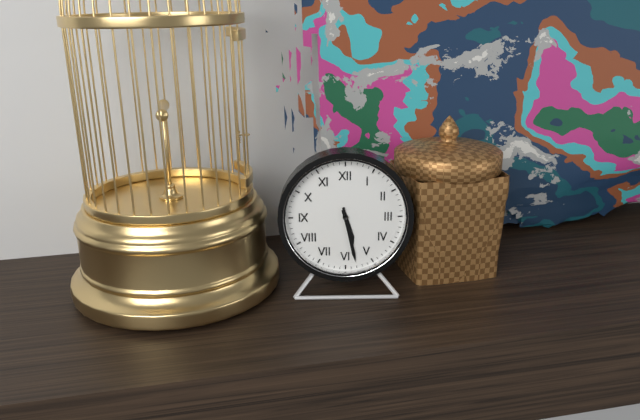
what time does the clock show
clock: 5:28
